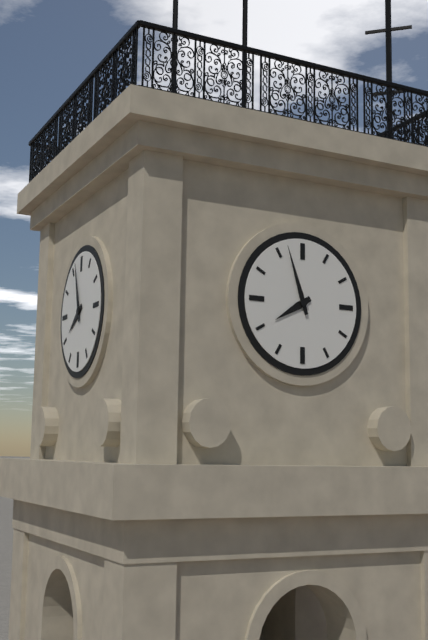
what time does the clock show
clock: 7:57
